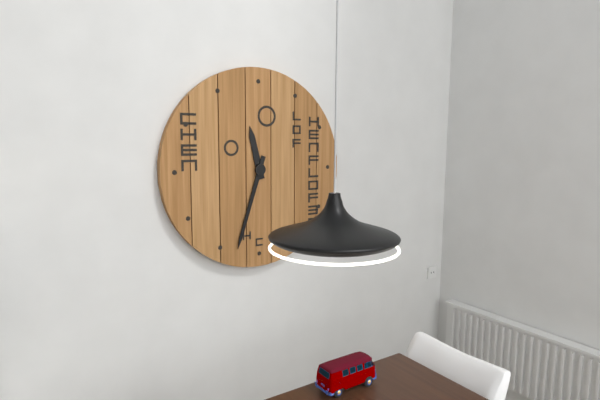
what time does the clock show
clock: 11:33
